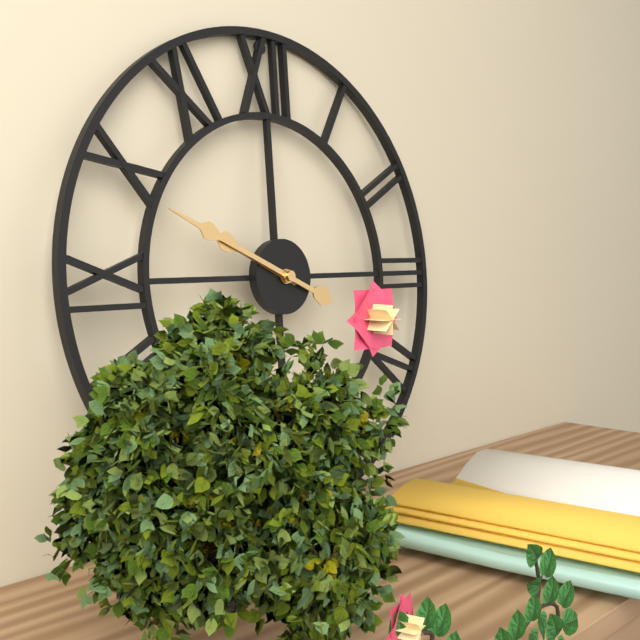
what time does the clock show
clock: 9:49
